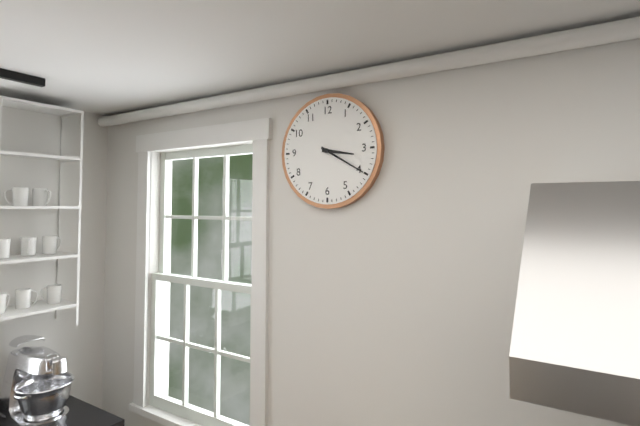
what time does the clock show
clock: 3:20
